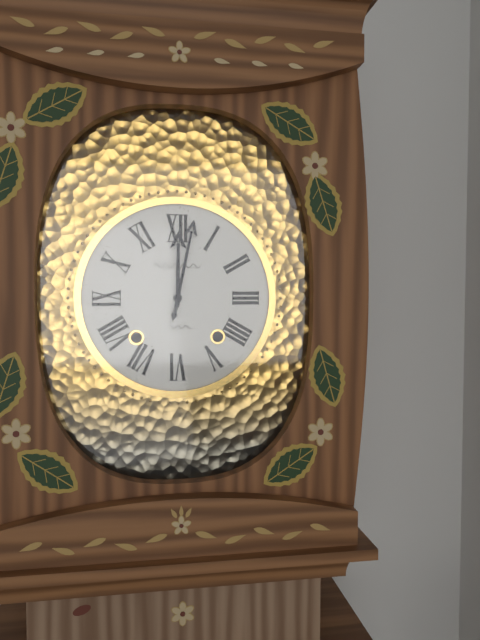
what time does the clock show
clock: 12:02
